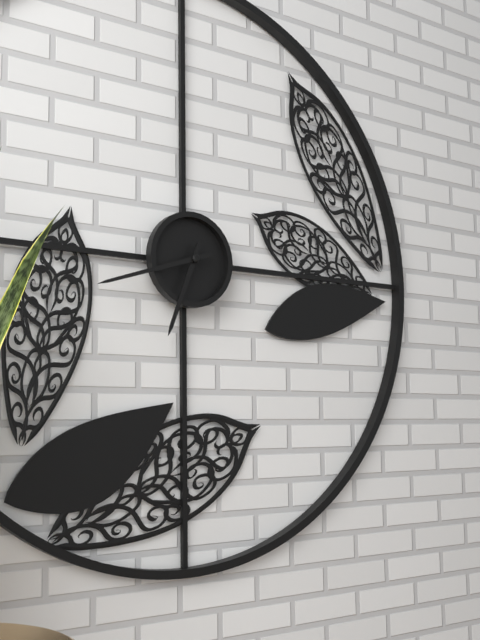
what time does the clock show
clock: 6:42
